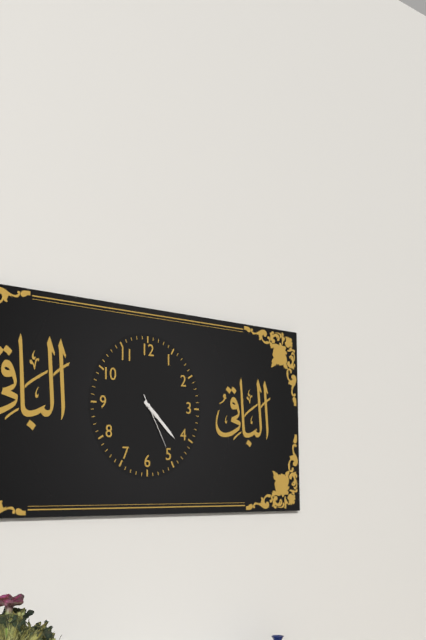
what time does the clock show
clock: 4:22:25
